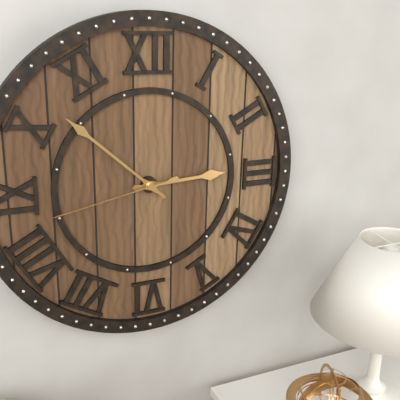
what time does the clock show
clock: 2:52:43
